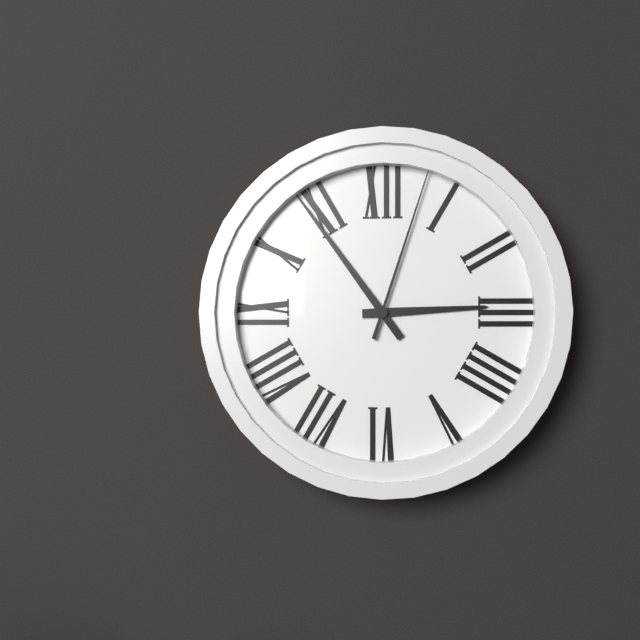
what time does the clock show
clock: 2:54:03
